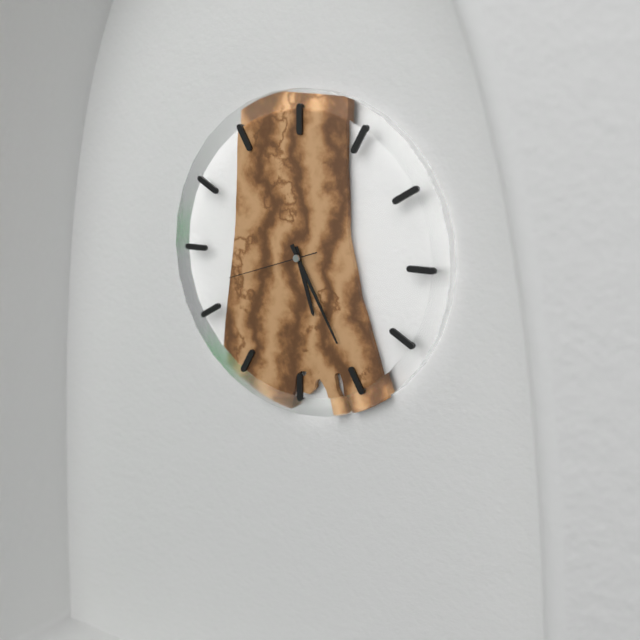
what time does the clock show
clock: 5:25:42
